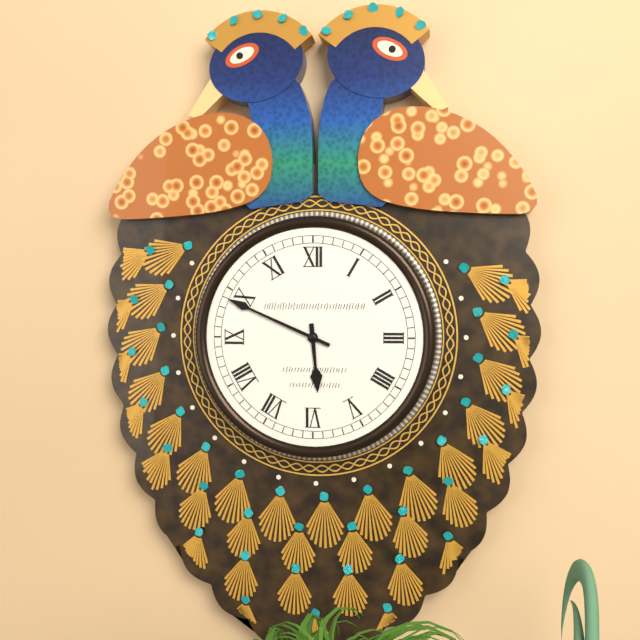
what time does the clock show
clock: 5:49
